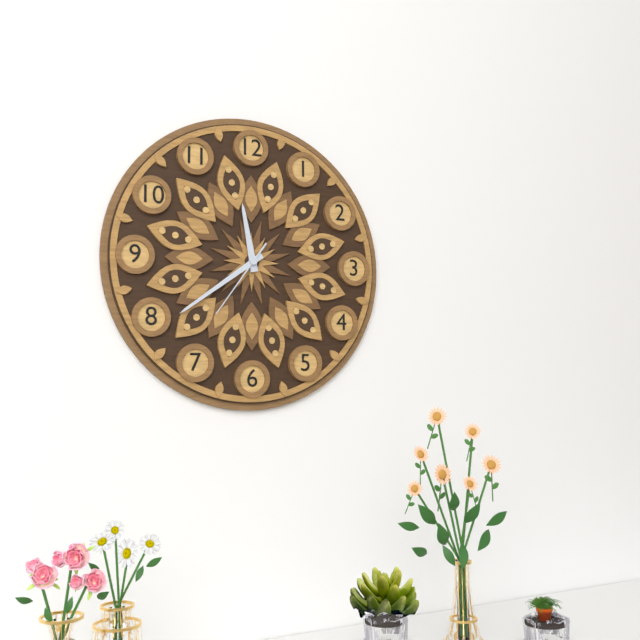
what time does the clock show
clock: 11:39:36
